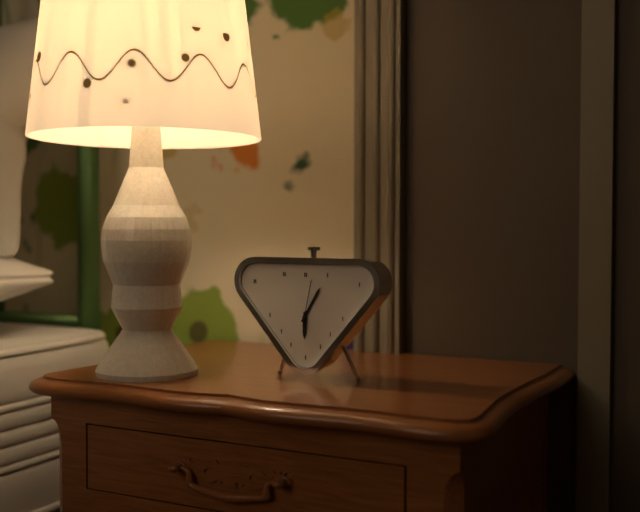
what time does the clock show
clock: 6:05
